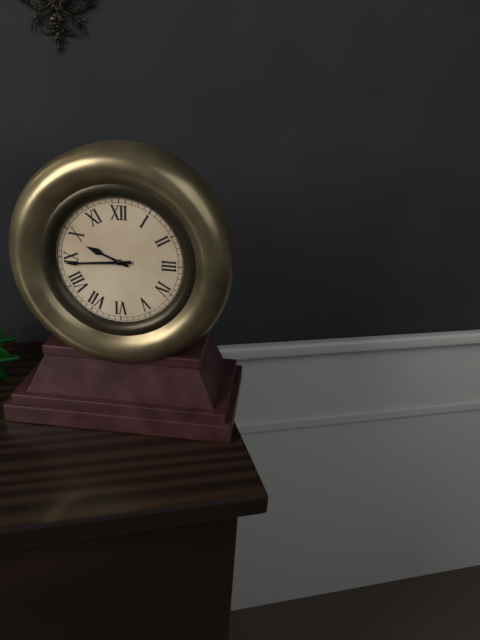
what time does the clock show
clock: 9:44
